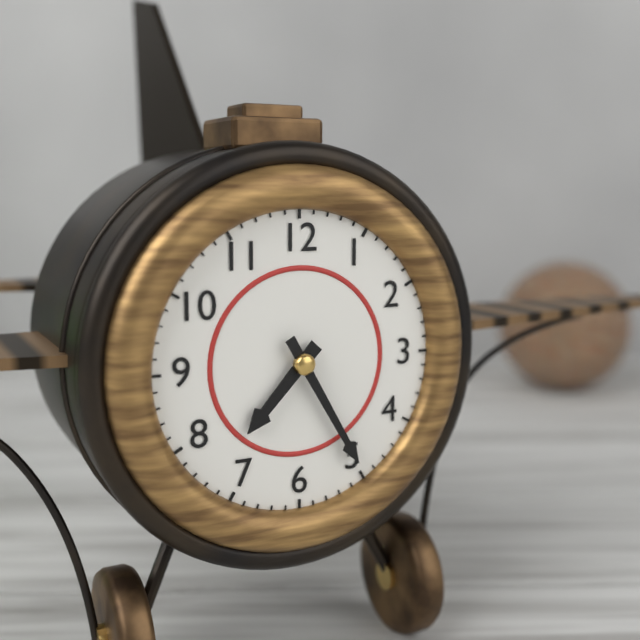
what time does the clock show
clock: 7:25
